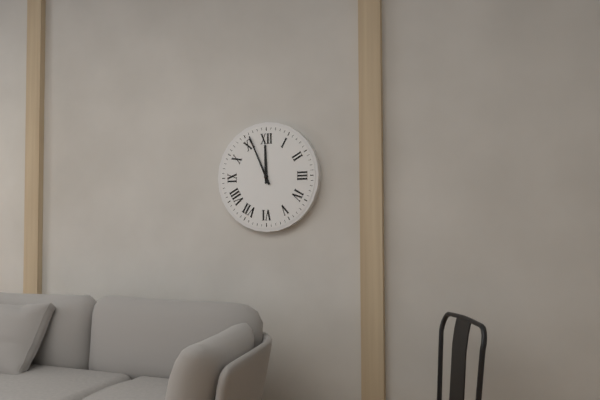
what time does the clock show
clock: 11:56
